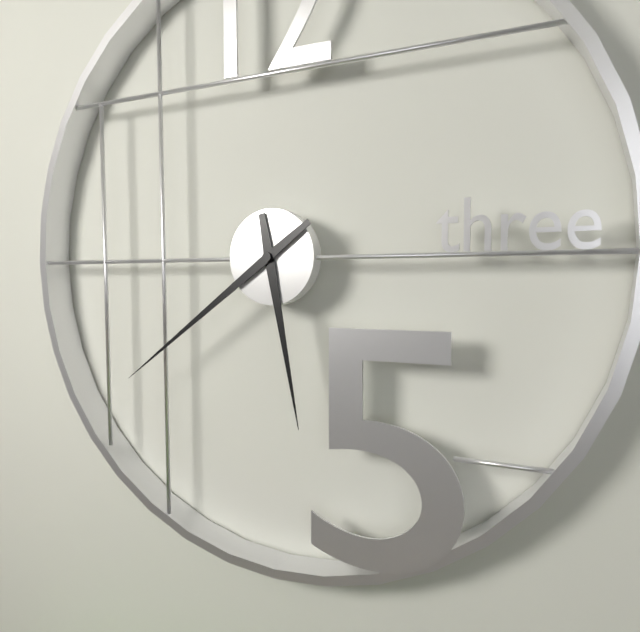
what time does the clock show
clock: 5:39
